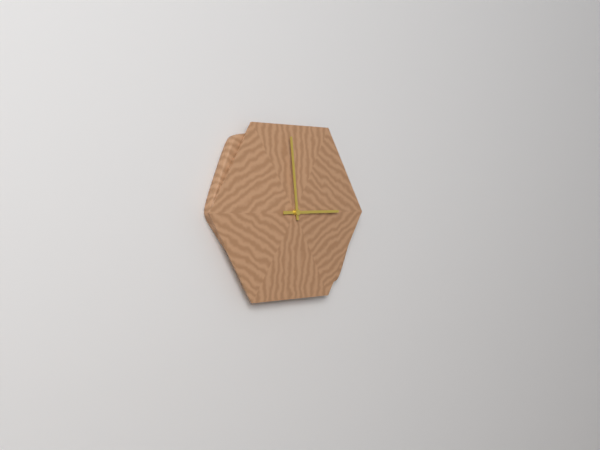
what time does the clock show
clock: 2:59
